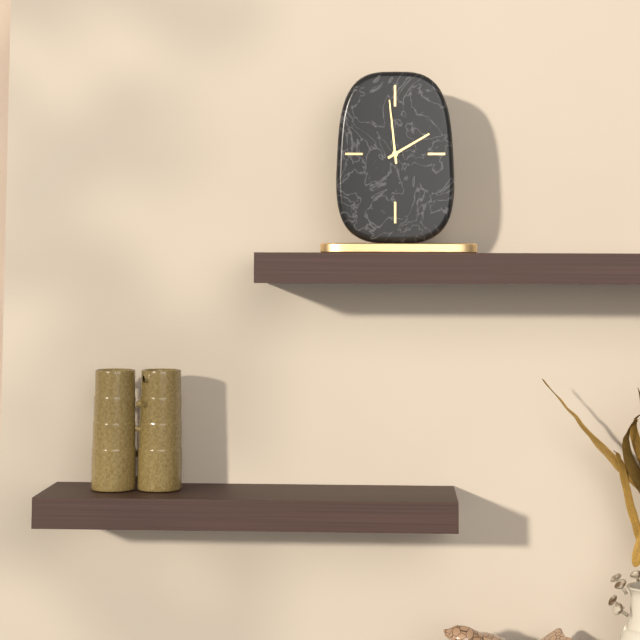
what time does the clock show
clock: 1:59
